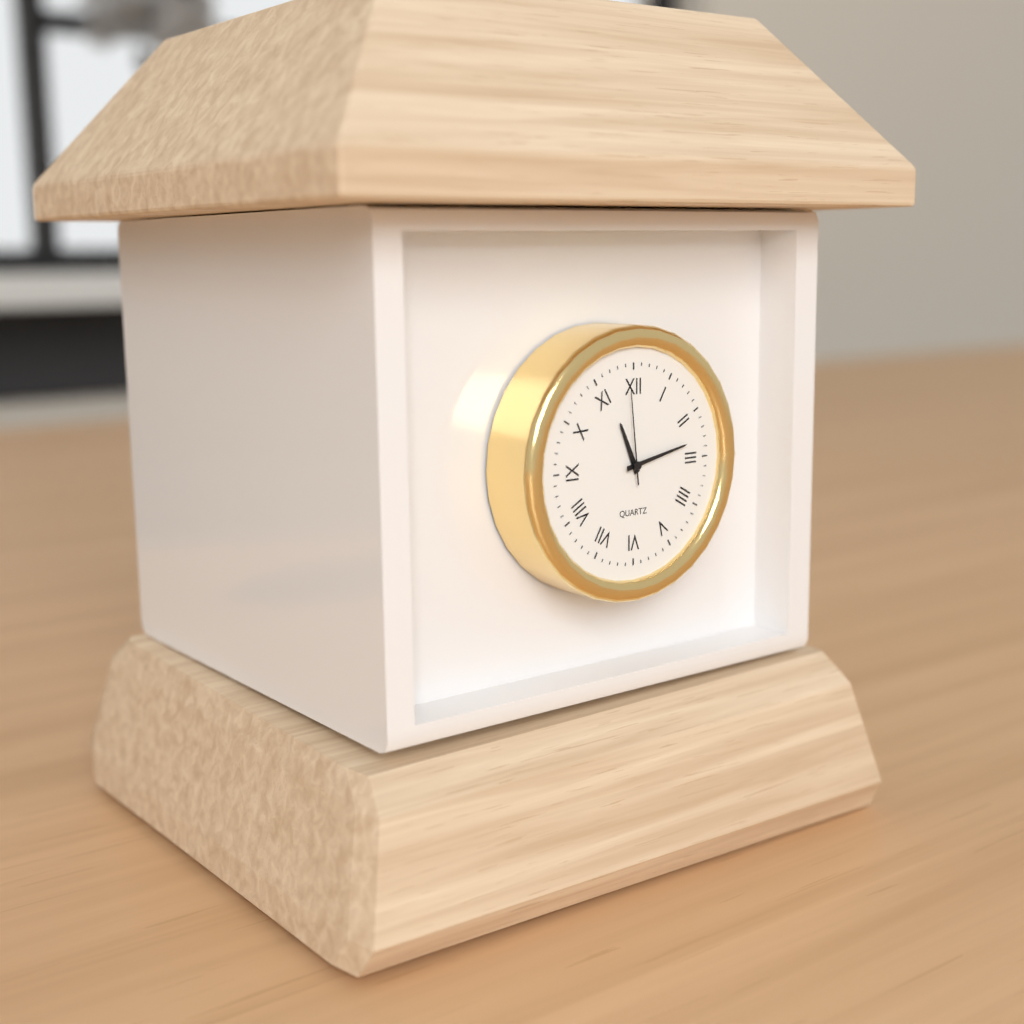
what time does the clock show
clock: 11:13:59
